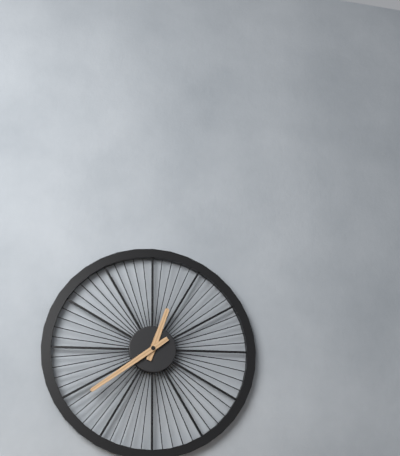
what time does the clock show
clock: 12:39
